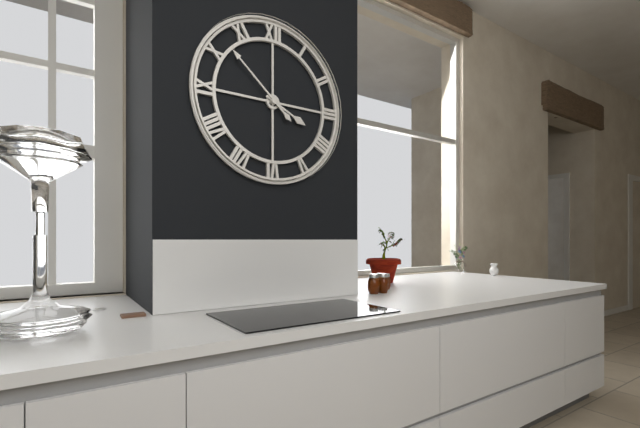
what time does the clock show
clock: 3:52
